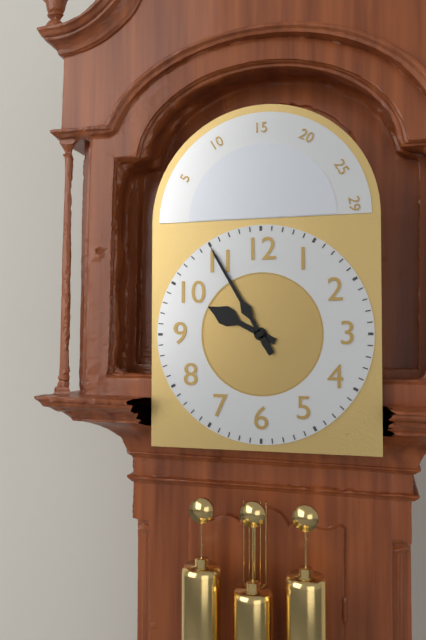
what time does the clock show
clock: 9:55
